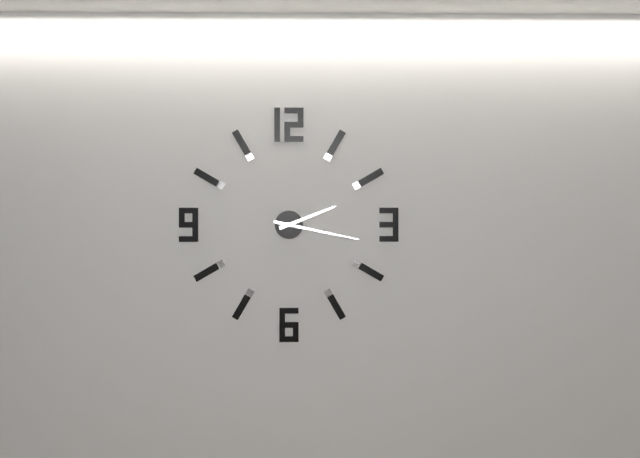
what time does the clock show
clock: 2:17
